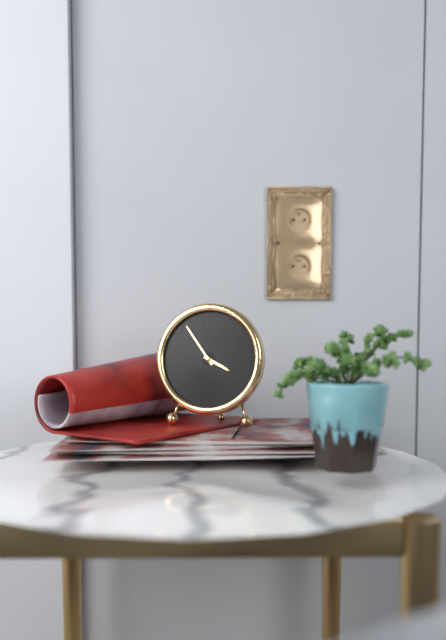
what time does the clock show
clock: 3:54
